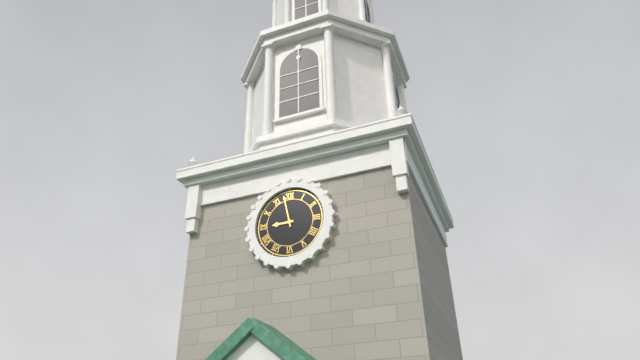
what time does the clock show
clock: 8:58
